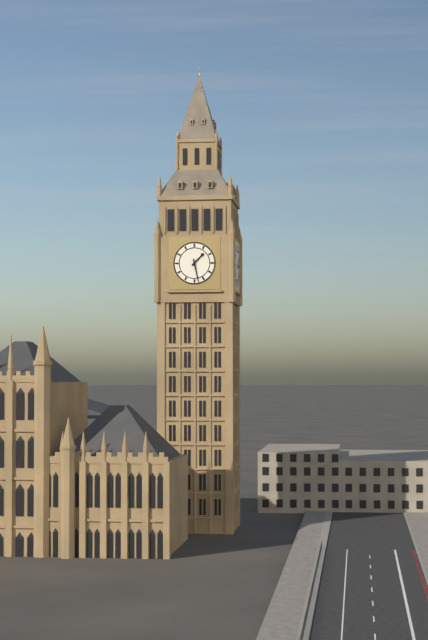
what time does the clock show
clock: 1:28
